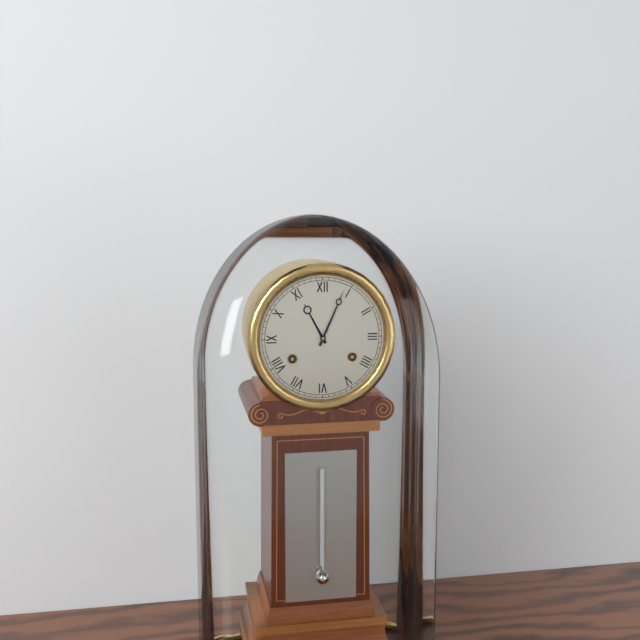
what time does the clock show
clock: 11:04
